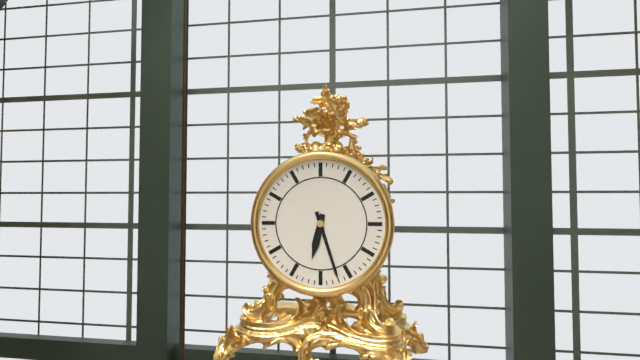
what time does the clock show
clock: 6:27
